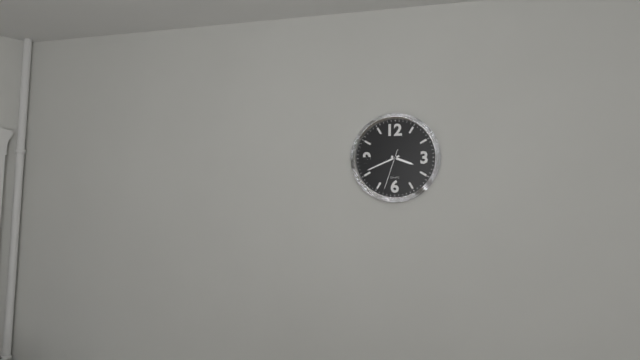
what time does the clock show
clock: 3:41
